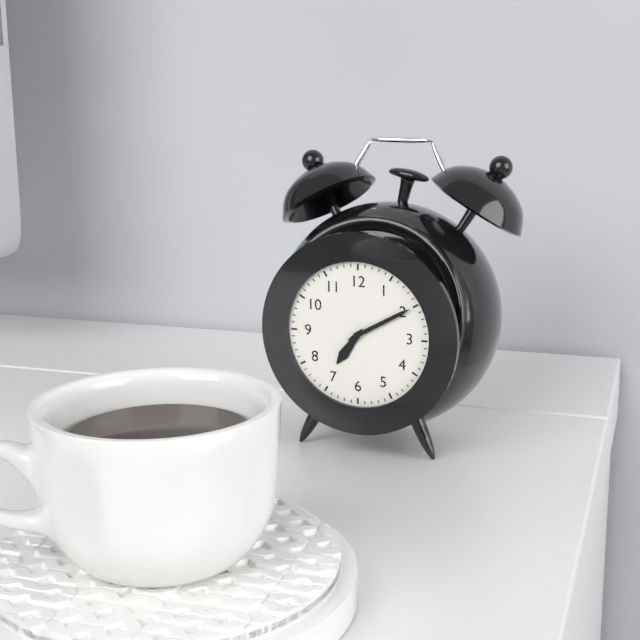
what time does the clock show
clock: 7:10
